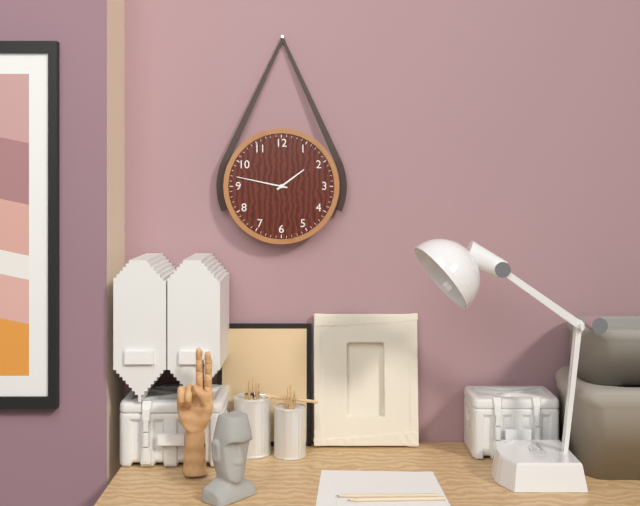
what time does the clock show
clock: 1:47
